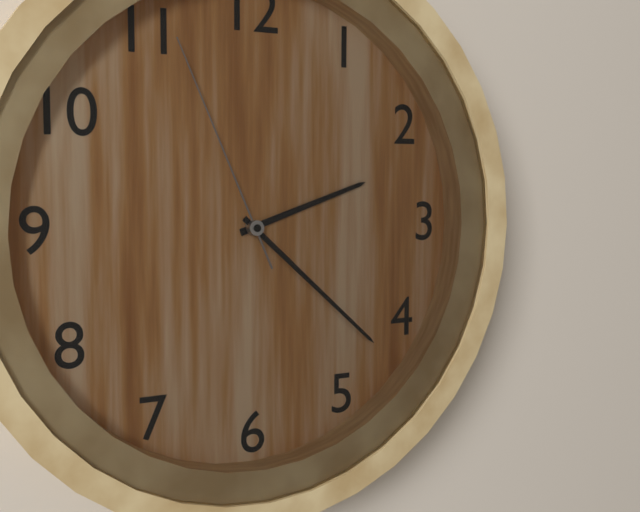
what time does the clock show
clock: 2:22:56
